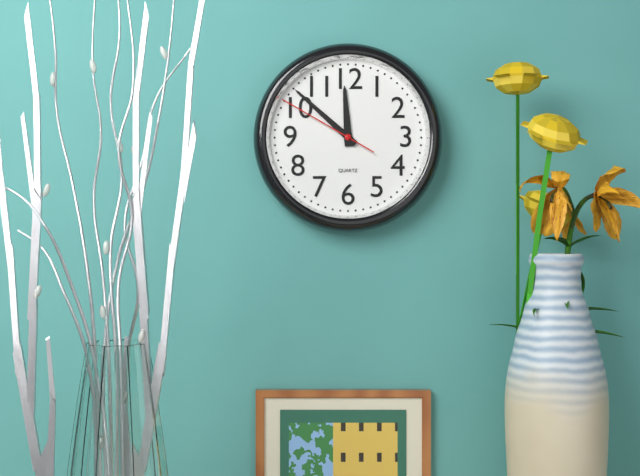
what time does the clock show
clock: 11:52:50
